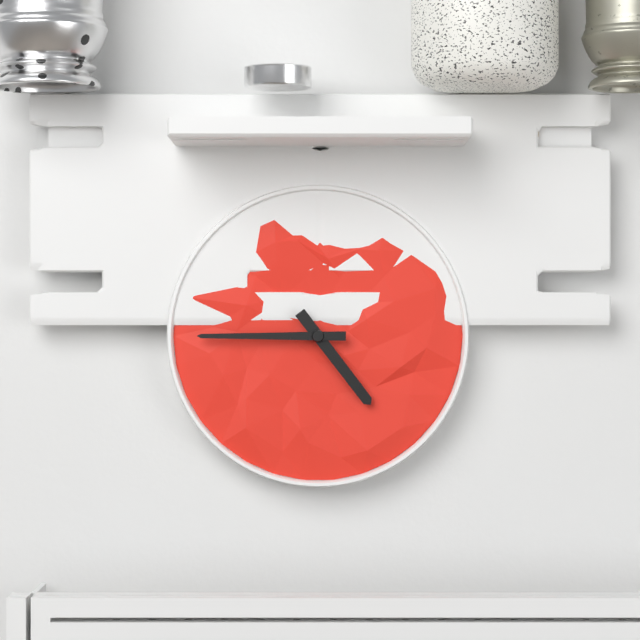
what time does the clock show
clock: 4:45
